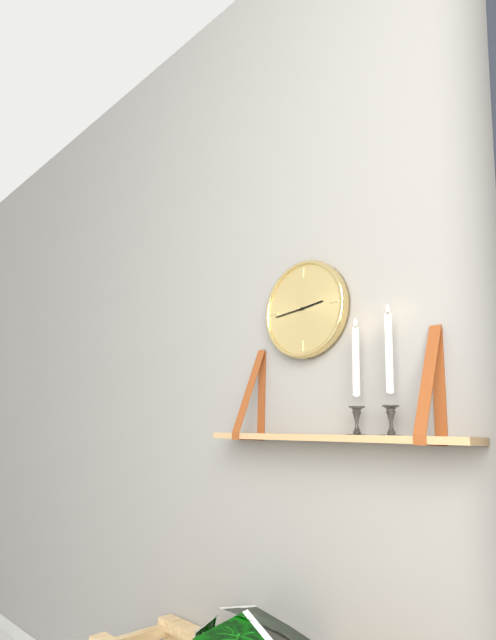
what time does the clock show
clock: 2:44
